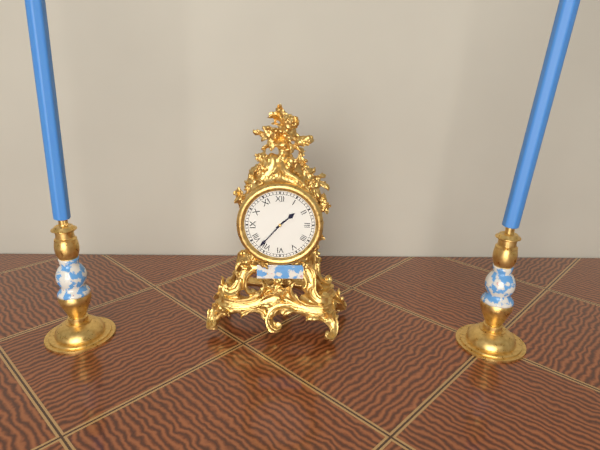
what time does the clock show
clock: 1:37
